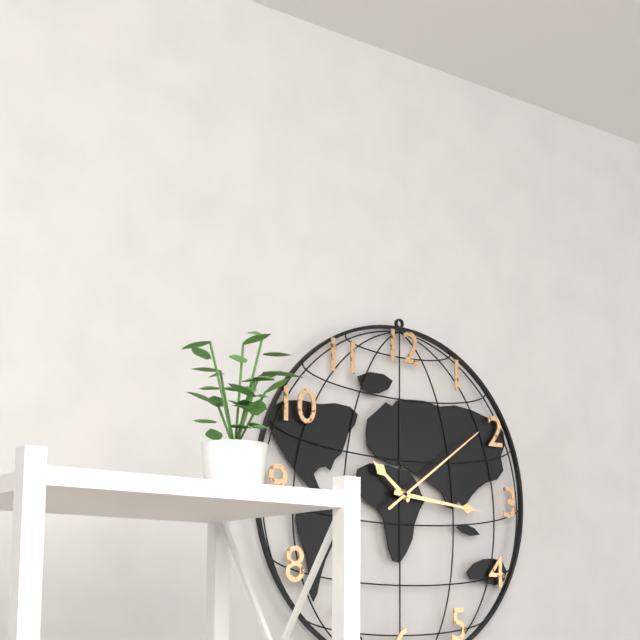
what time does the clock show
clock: 10:16:09
